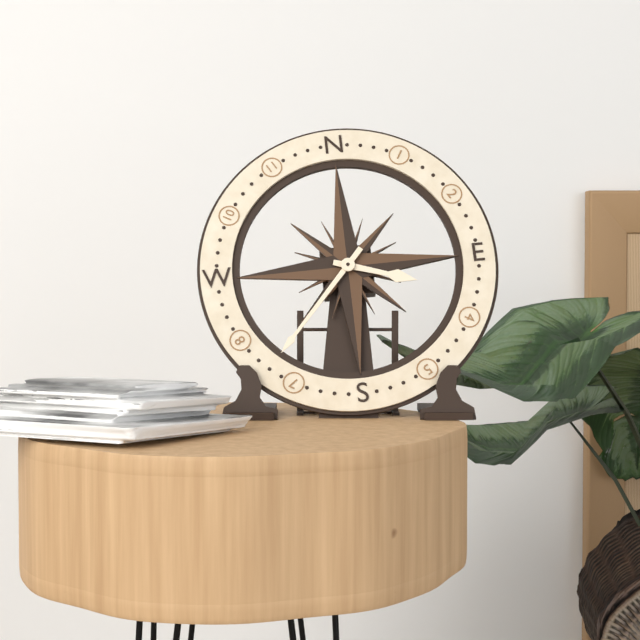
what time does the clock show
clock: 3:37
